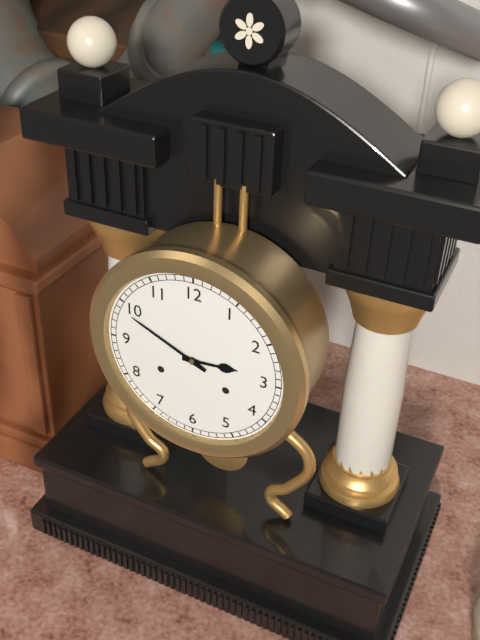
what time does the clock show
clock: 2:49
